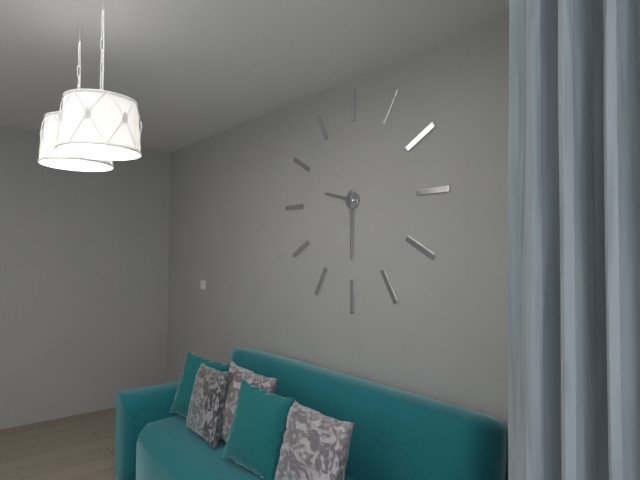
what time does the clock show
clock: 9:30
